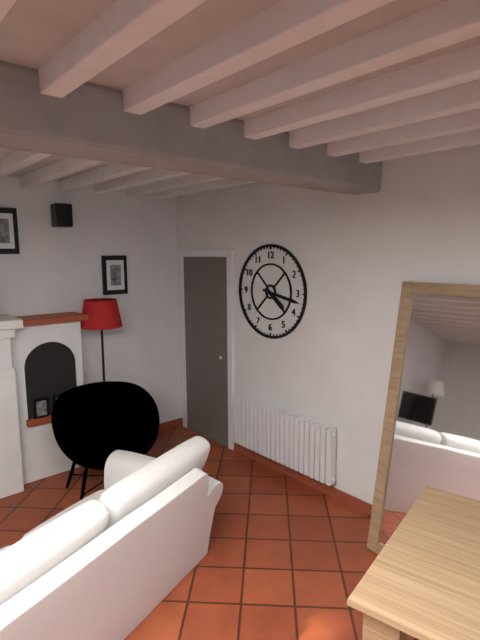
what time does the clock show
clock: 4:17
